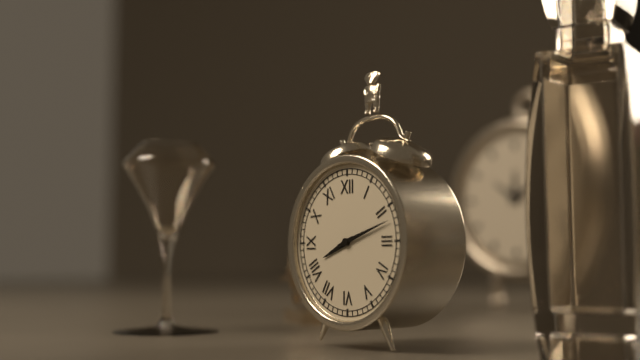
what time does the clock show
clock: 8:12
